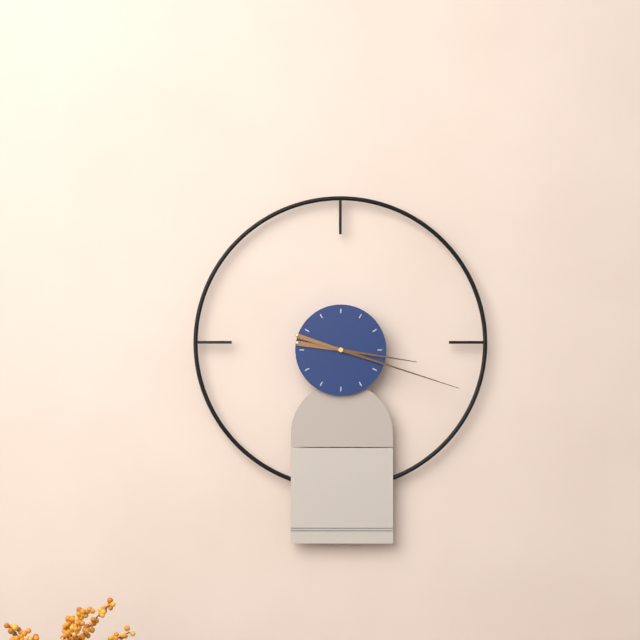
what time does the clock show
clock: 3:18
